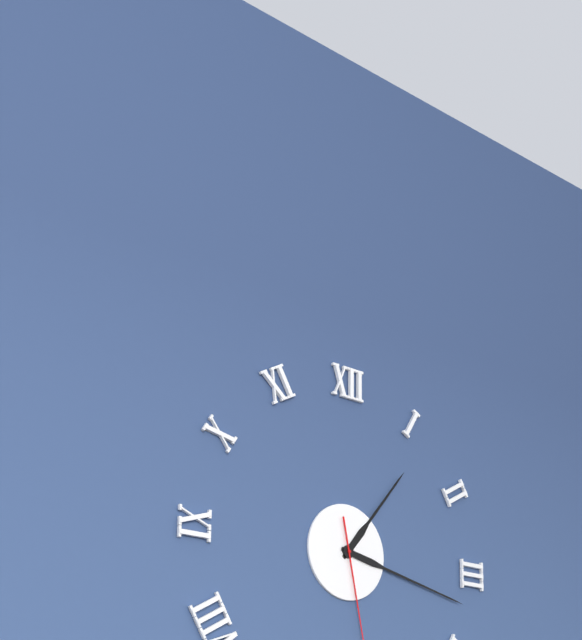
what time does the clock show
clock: 1:17
